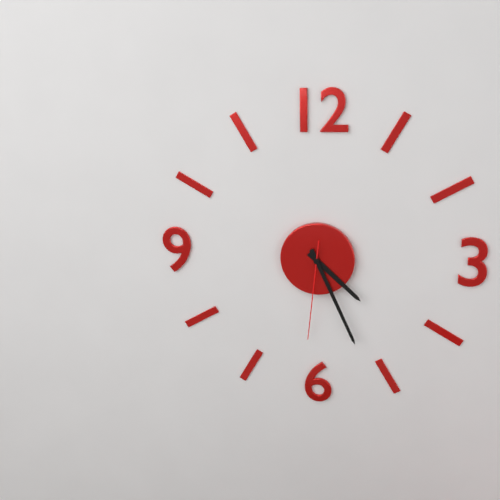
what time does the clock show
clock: 4:26:31
